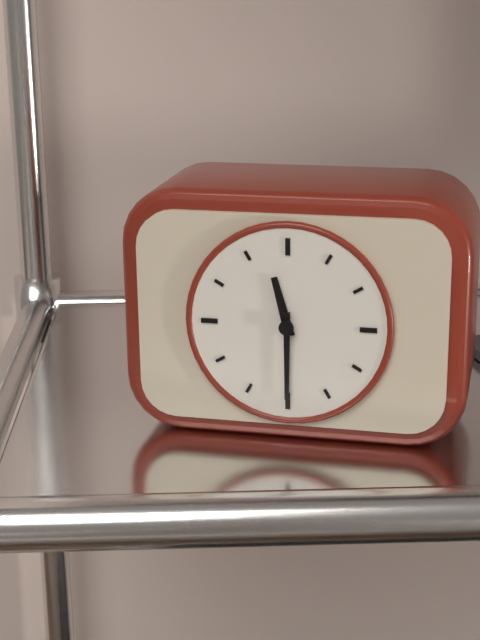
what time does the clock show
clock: 11:30
